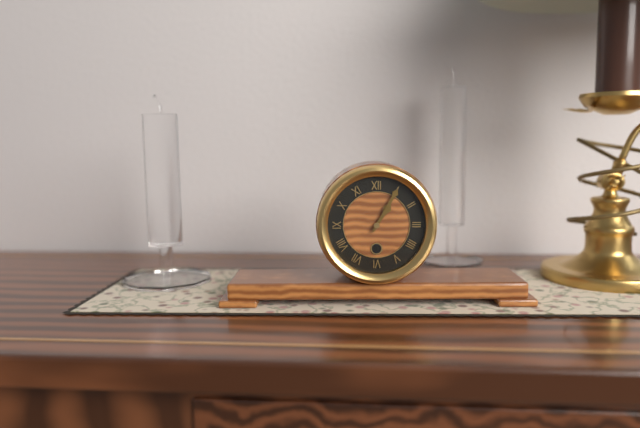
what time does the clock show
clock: 1:05
